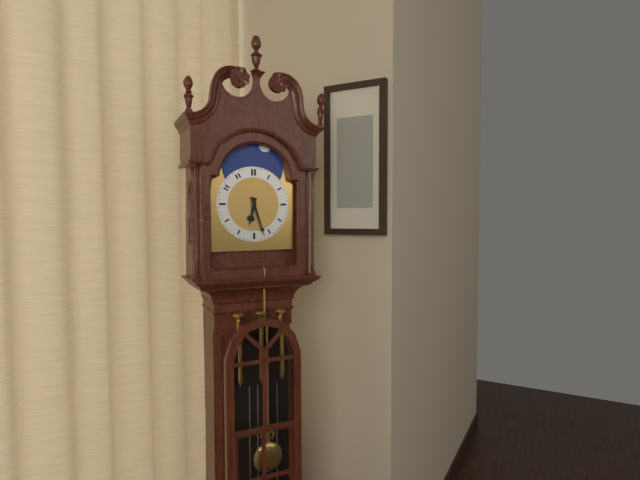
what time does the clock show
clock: 6:27
